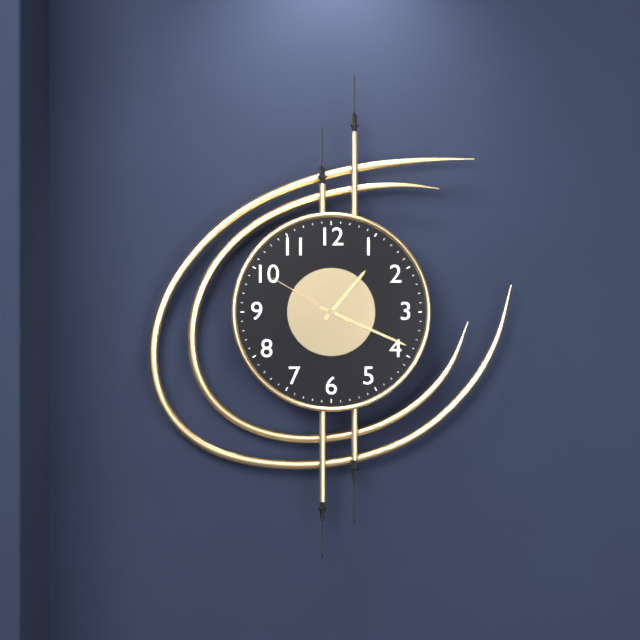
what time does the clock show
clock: 1:19:50
